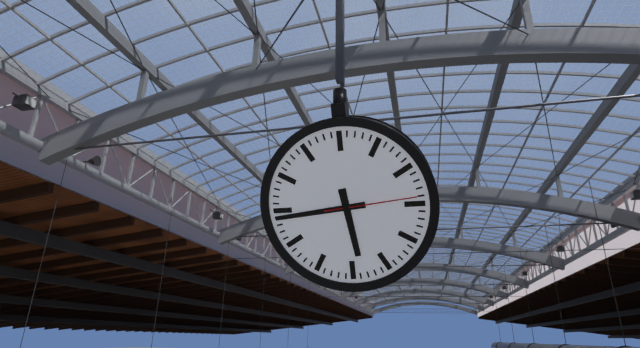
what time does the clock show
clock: 5:44:14
